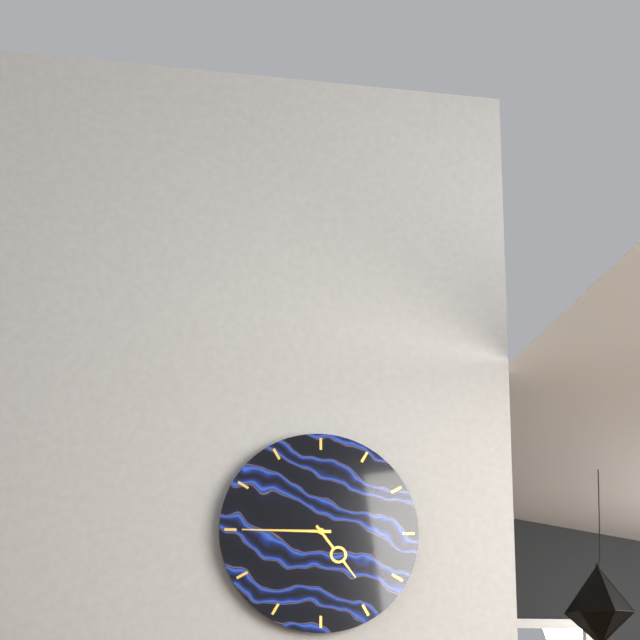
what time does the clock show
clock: 4:45
